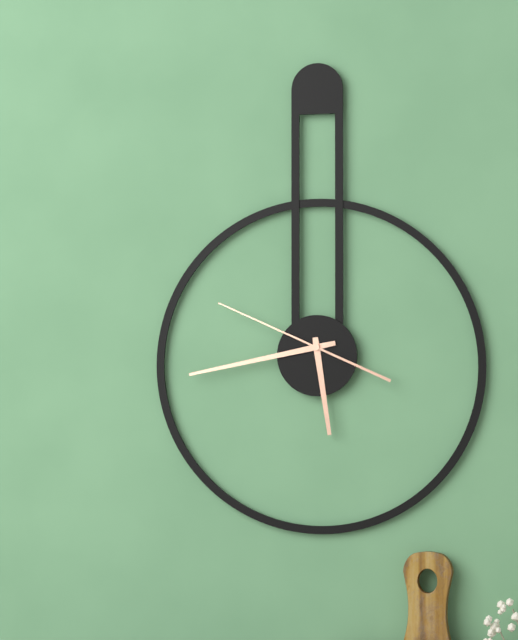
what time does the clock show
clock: 5:43:49
